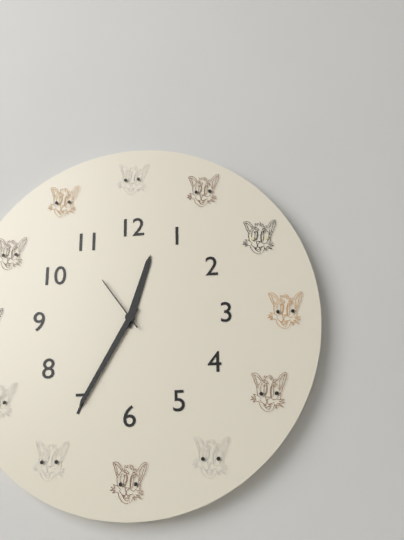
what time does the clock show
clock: 12:35:54
